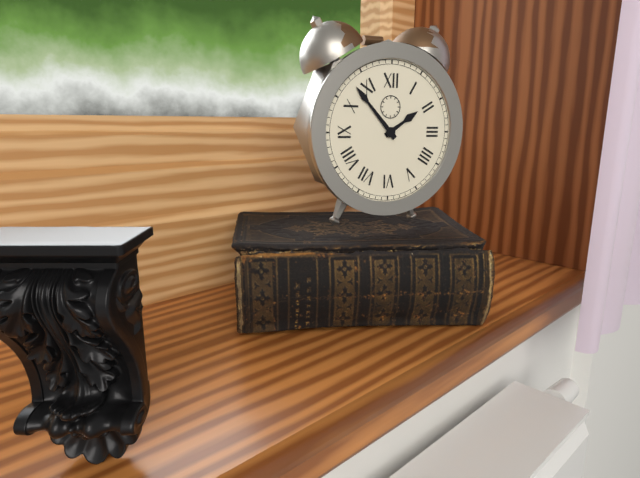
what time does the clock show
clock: 1:53
